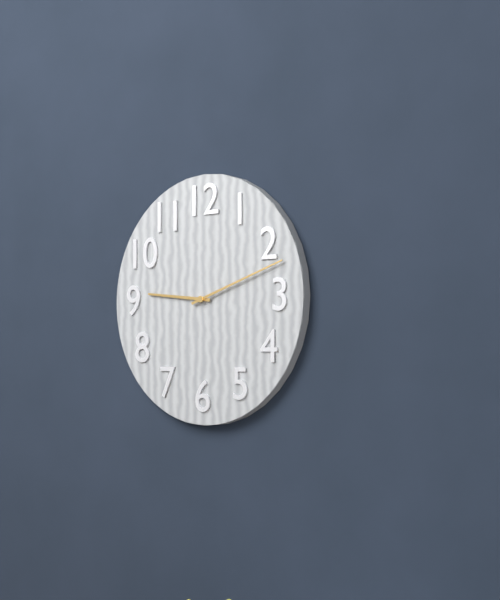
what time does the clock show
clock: 9:12
